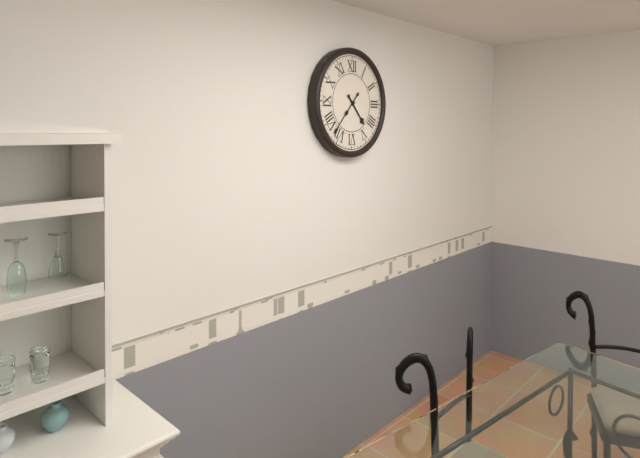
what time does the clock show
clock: 4:37
